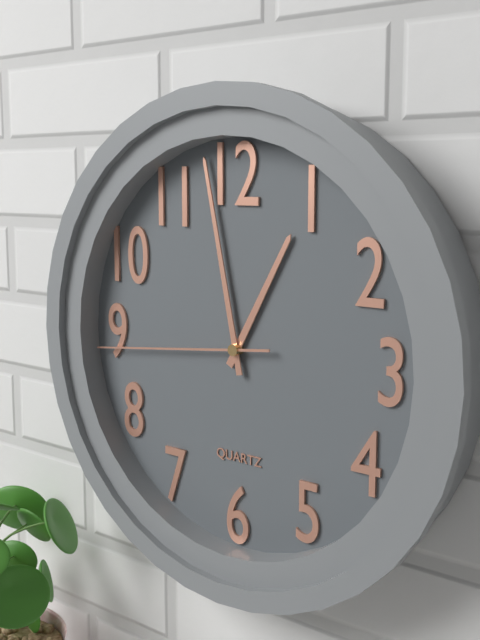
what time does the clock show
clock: 12:58:44
